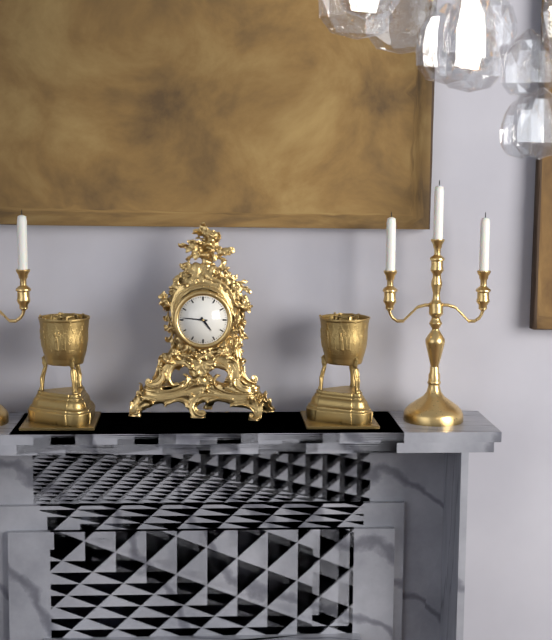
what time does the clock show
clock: 4:46
